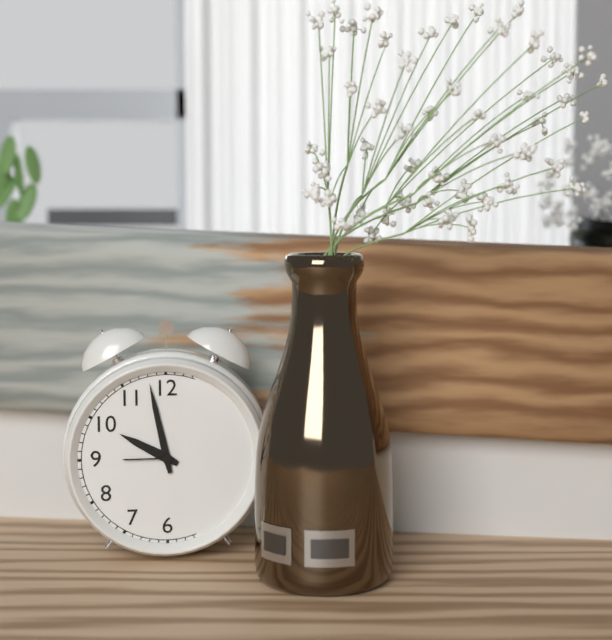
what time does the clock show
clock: 9:58
